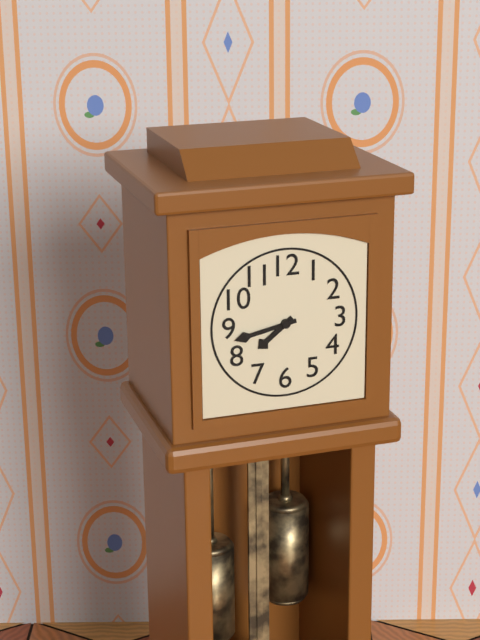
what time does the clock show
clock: 7:43
